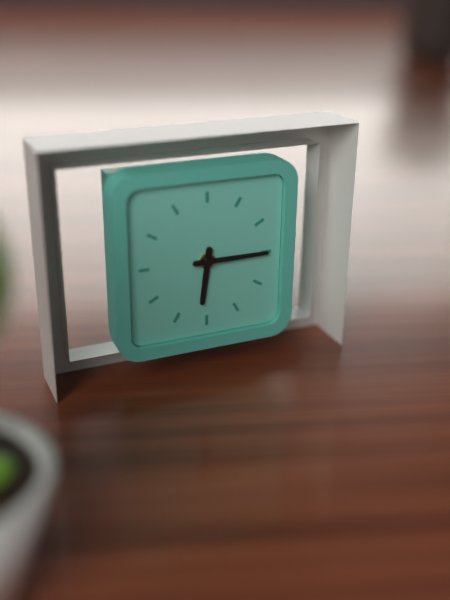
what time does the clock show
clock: 6:15
